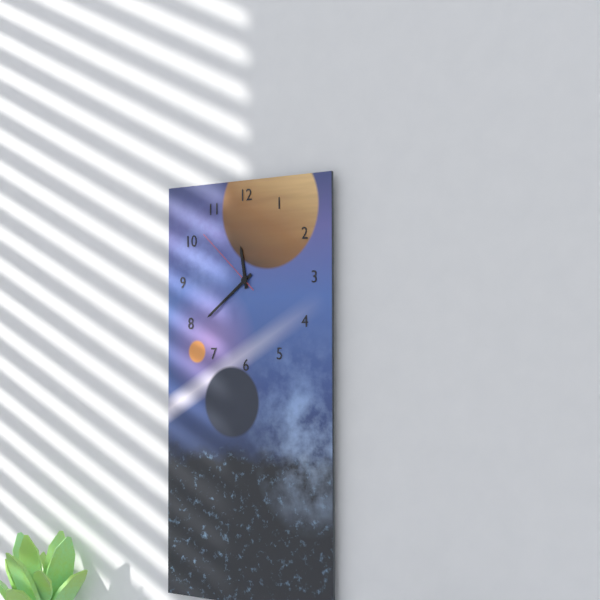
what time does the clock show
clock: 11:39:52
